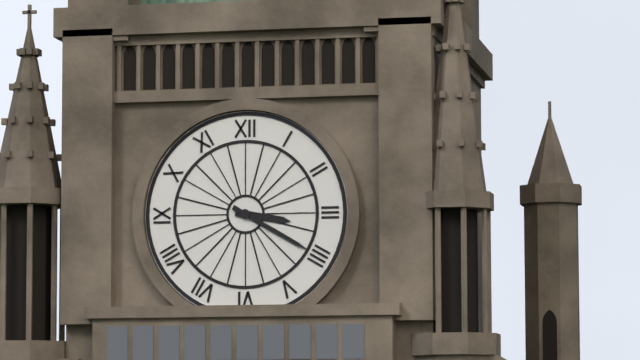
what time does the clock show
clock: 3:20
